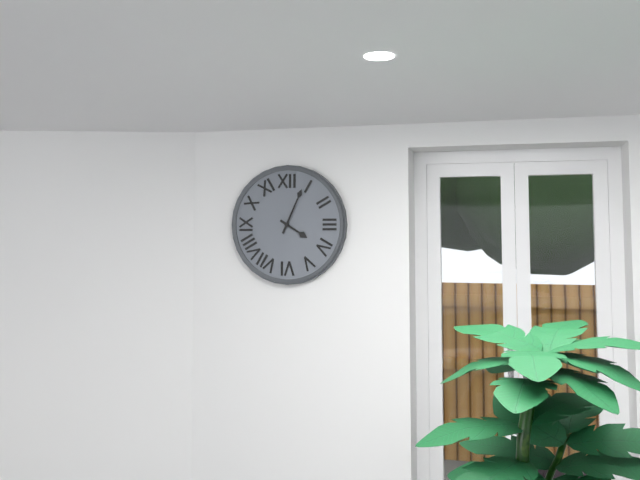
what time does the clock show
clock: 4:04
